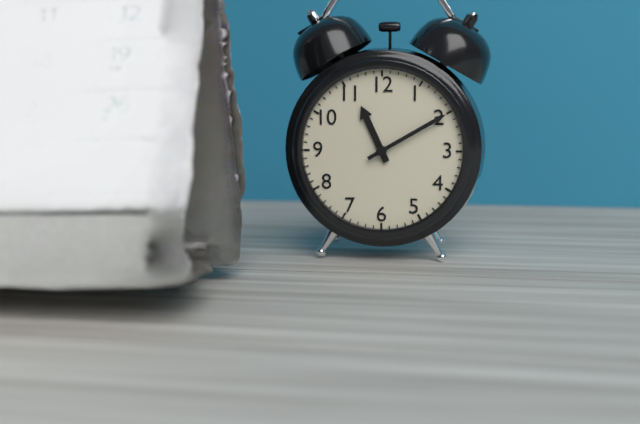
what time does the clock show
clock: 11:10
